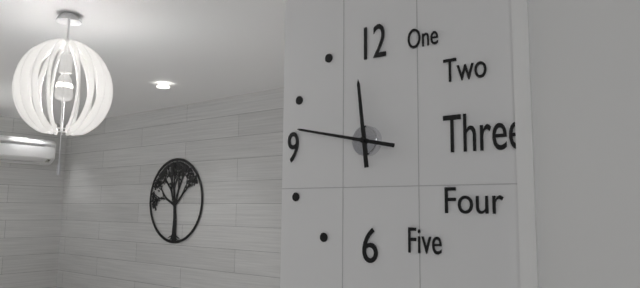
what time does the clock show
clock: 11:47
